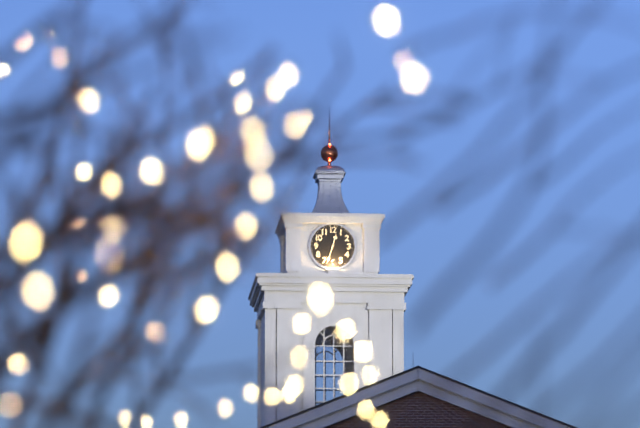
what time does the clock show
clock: 12:33
